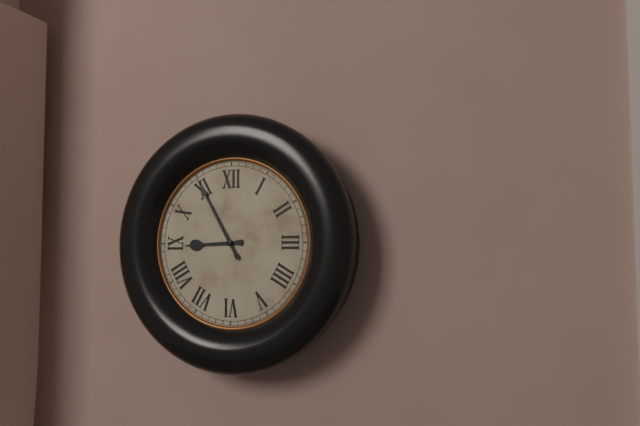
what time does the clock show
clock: 8:55
